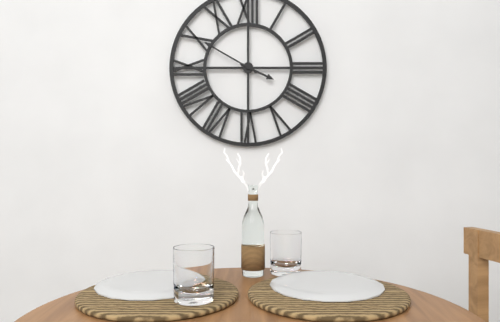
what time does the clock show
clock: 3:50
